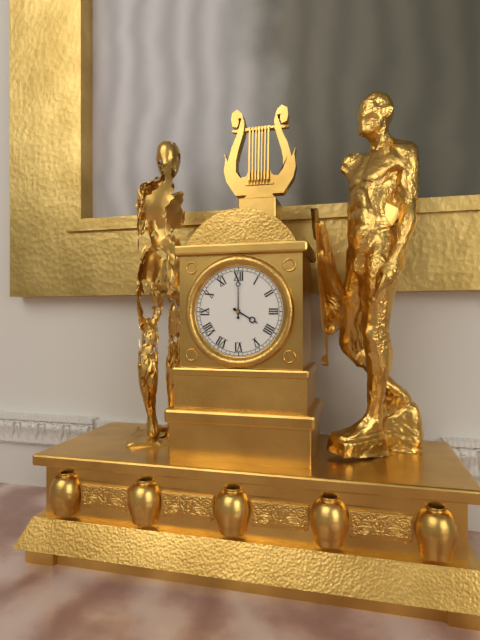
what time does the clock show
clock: 4:00
